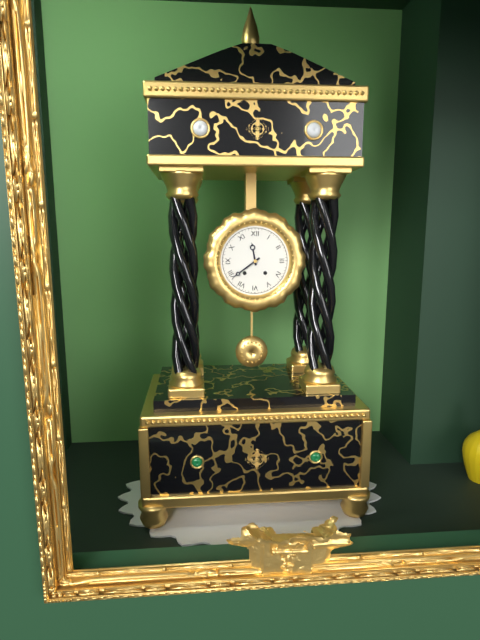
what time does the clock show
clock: 11:39
